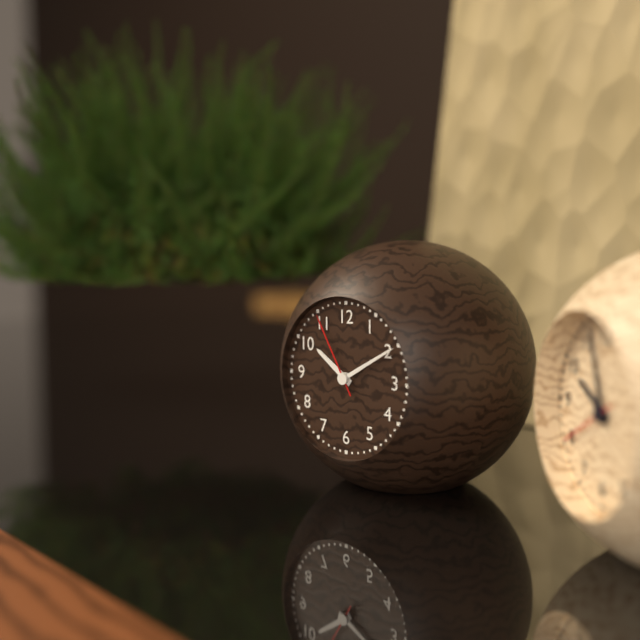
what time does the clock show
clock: 10:10:55
